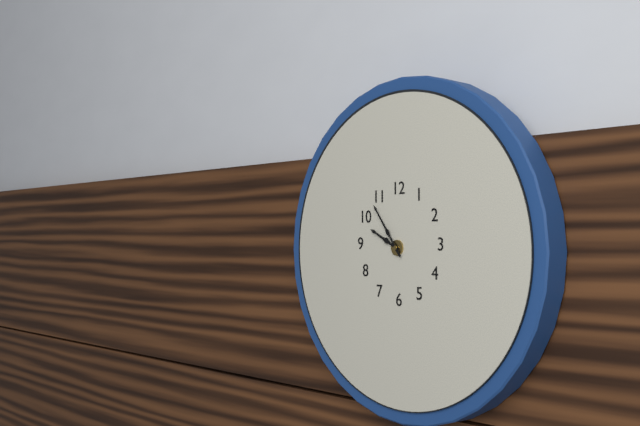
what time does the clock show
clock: 9:54
